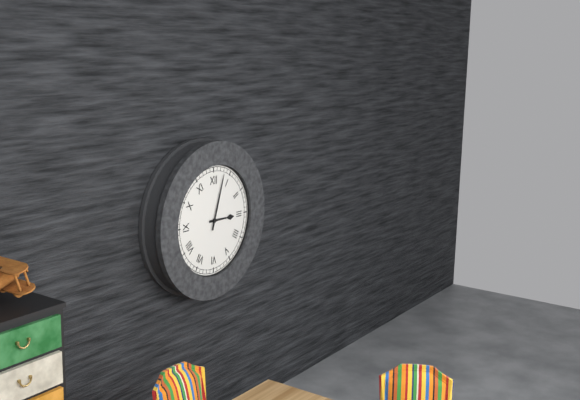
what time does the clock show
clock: 3:03
